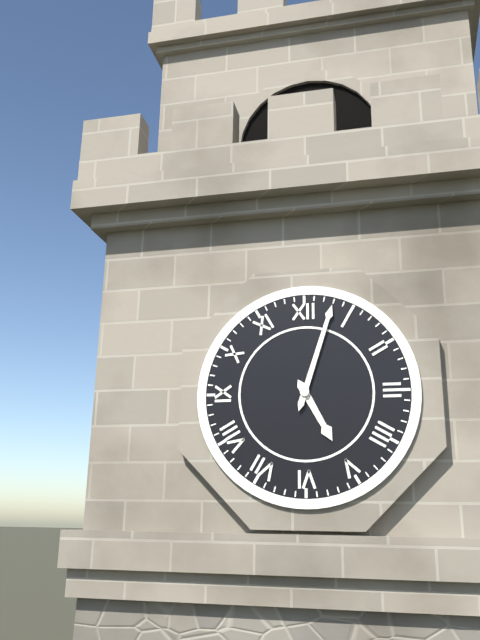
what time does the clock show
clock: 5:03
